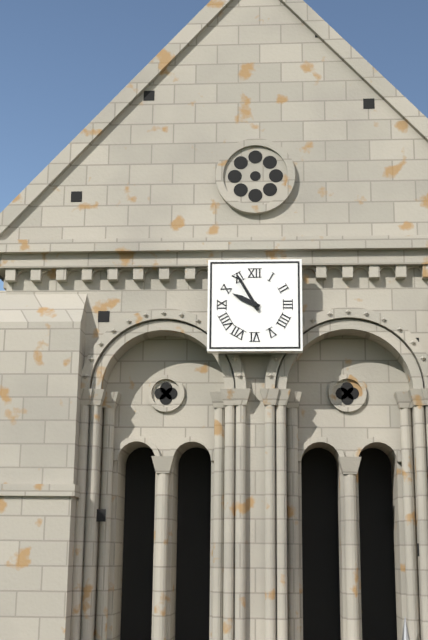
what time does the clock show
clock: 9:55
